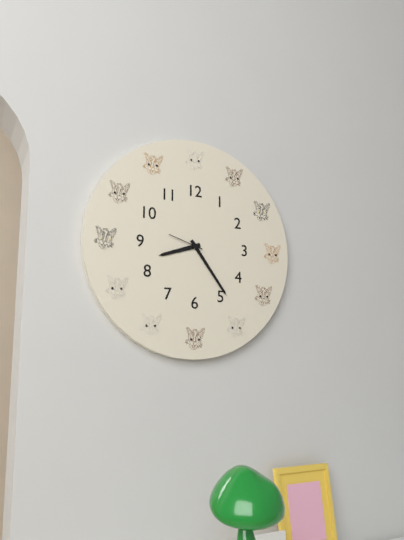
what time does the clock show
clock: 8:24
